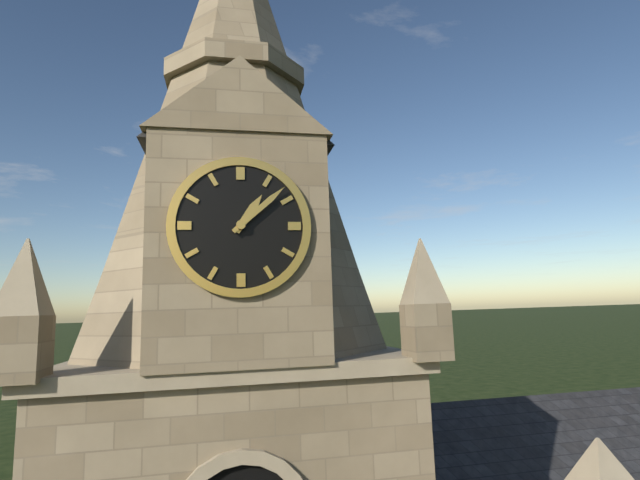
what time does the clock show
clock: 1:08
